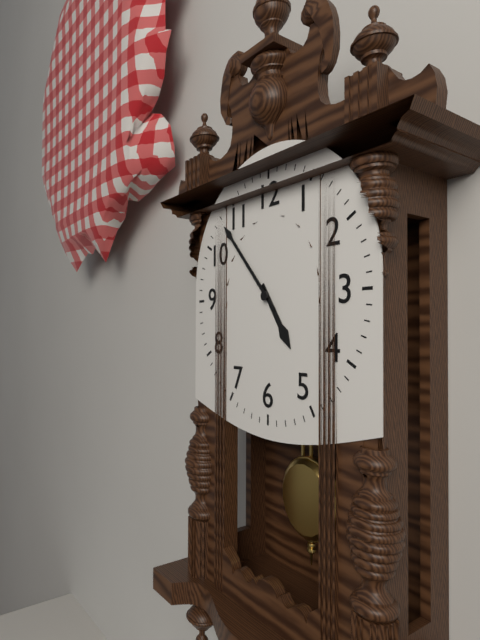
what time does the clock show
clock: 4:53
